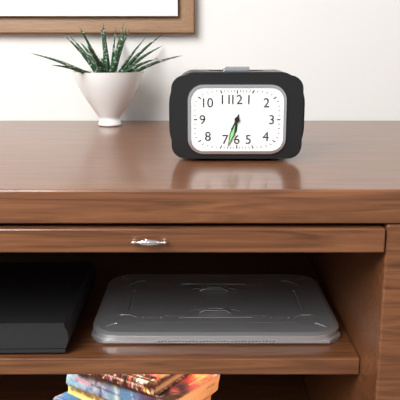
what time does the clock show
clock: 6:33
